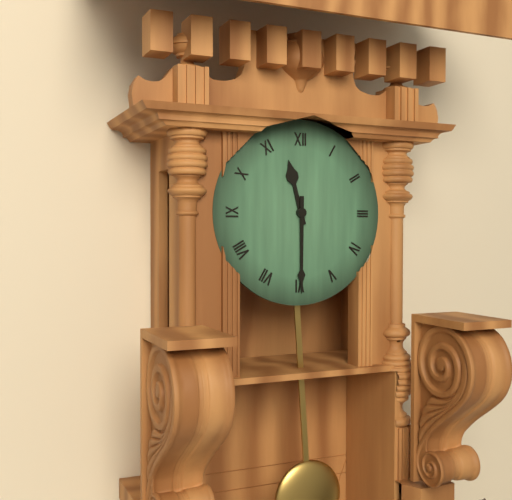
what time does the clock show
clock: 11:30
